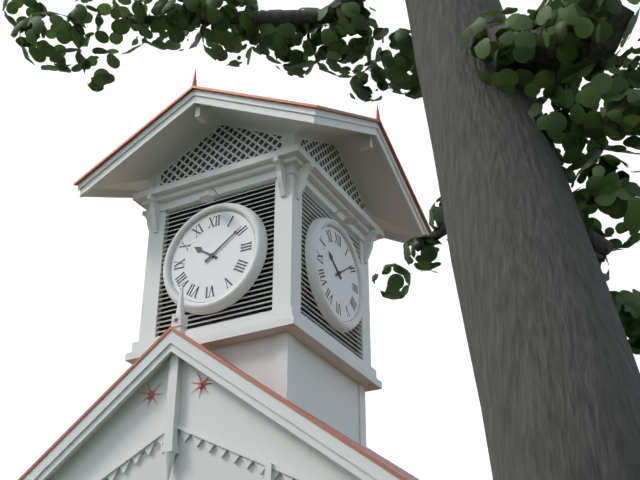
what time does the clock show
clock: 10:09
